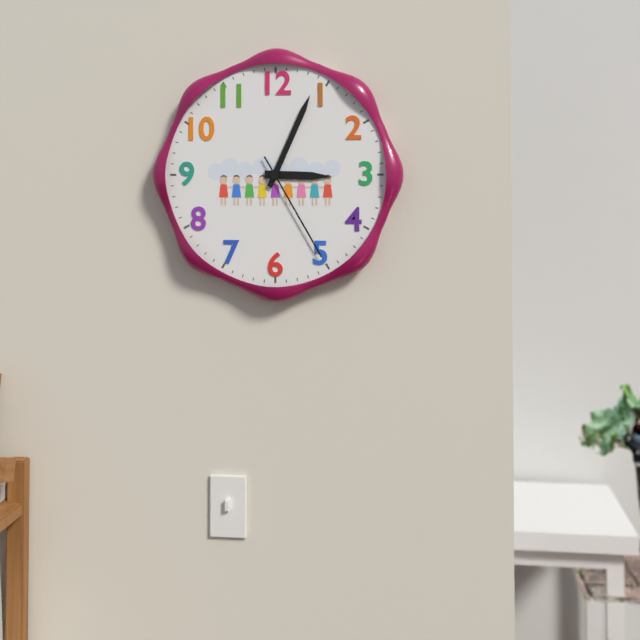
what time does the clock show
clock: 3:04:25
